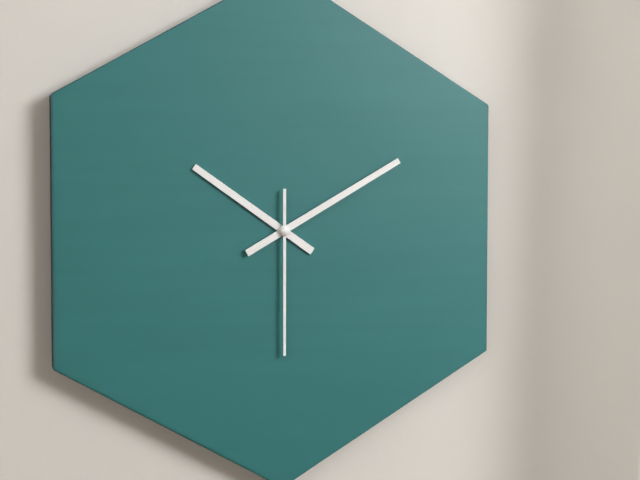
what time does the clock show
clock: 10:10:30
